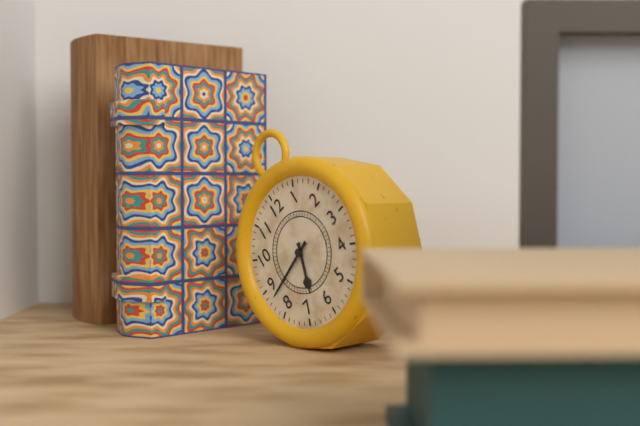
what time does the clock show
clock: 6:43
